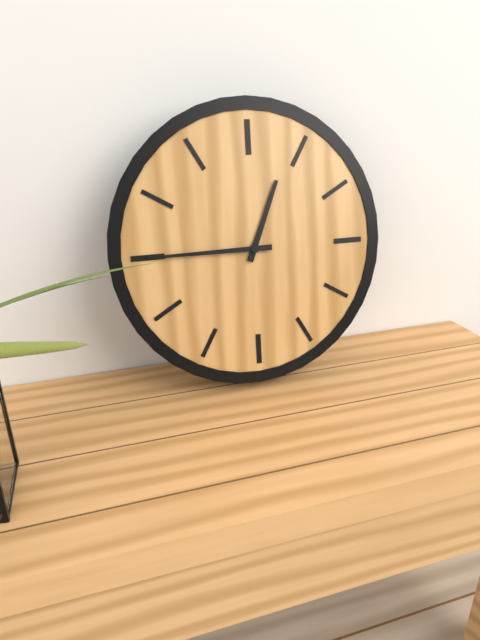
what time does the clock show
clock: 12:45
